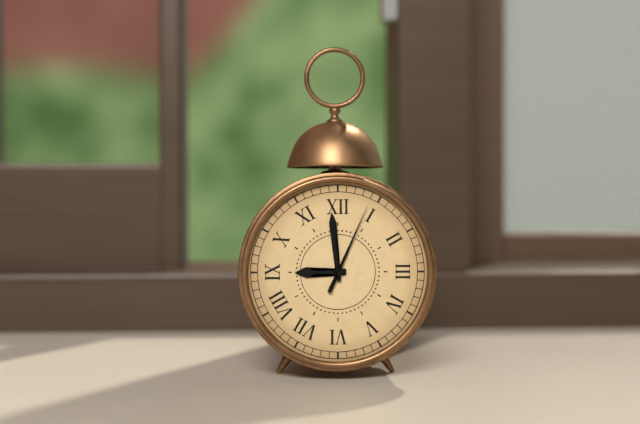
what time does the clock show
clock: 8:59:04
